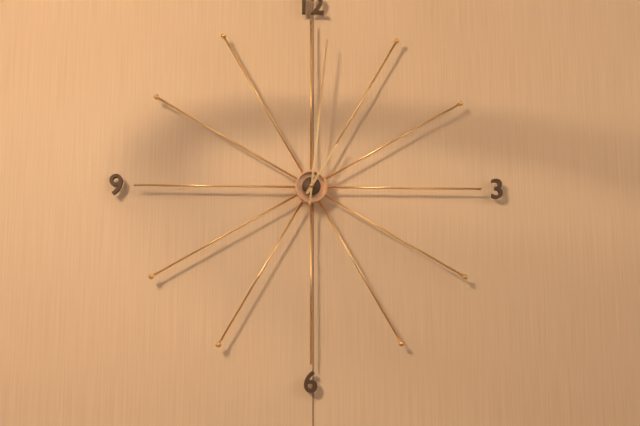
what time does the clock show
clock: 1:01
